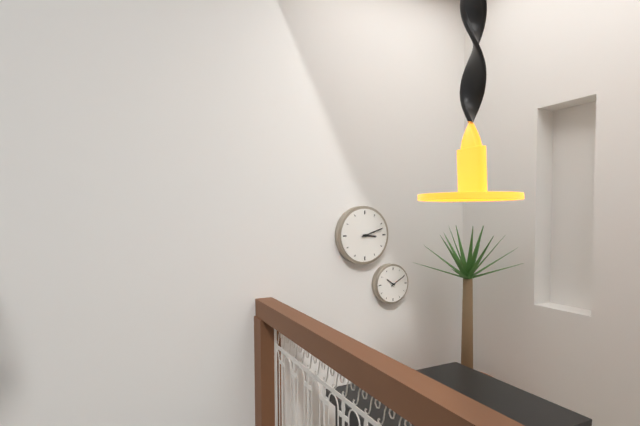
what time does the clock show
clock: 3:12
